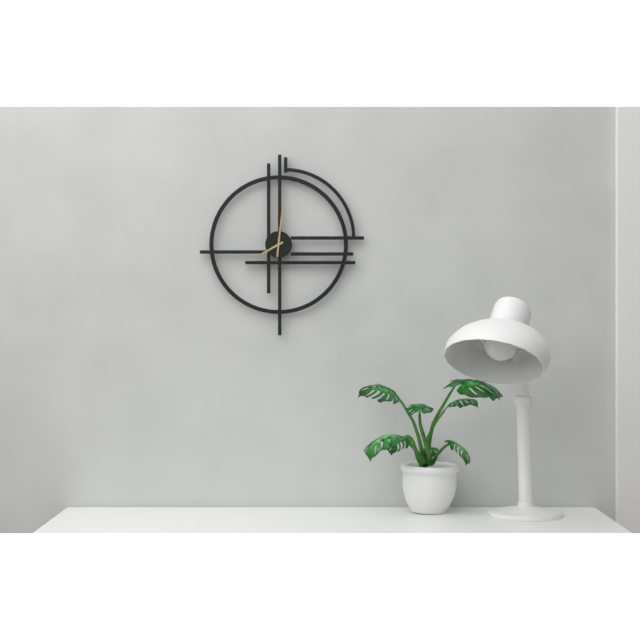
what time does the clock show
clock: 8:01
